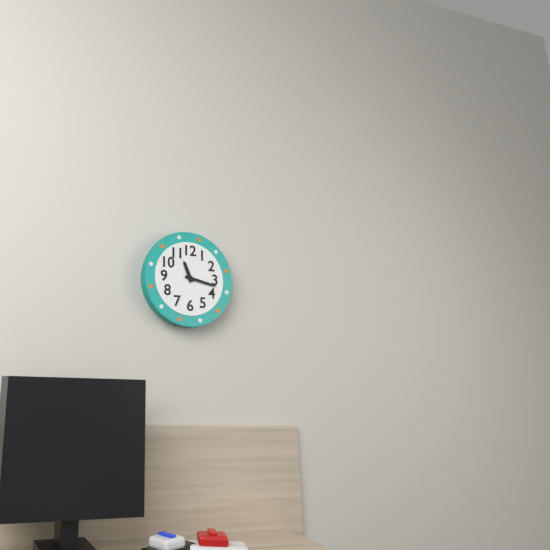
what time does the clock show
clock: 11:17
